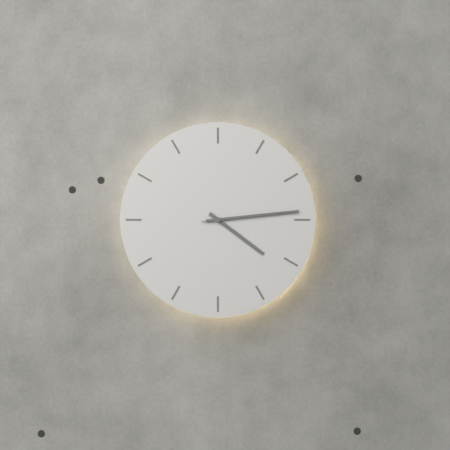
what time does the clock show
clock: 4:14:14
